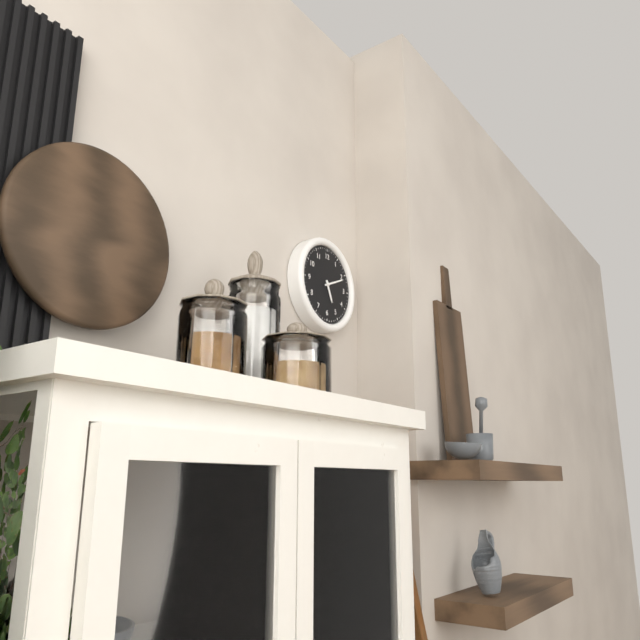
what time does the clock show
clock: 5:11
